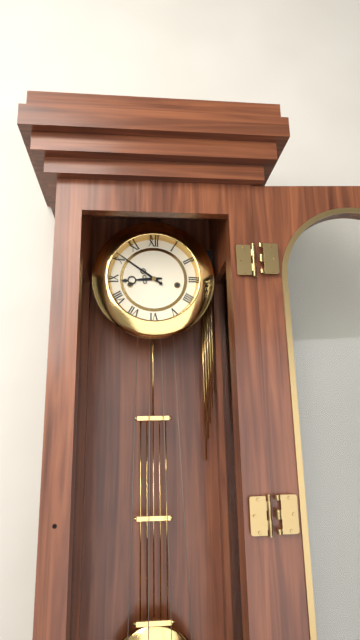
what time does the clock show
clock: 8:51
